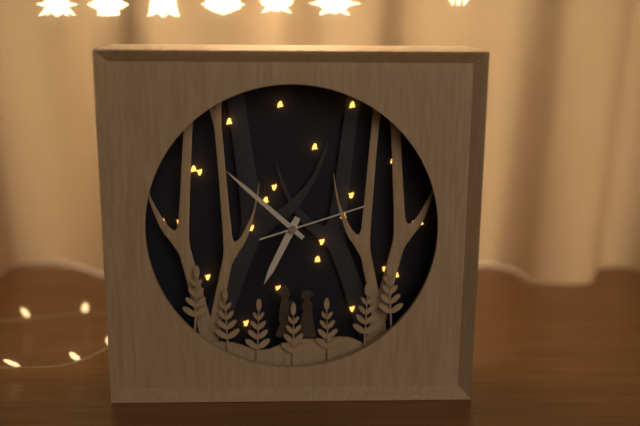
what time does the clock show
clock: 6:52:12
